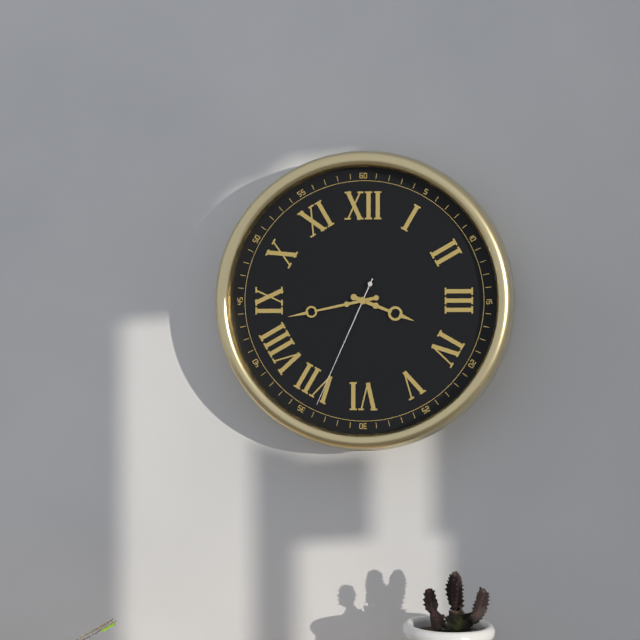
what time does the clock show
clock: 3:43:34
